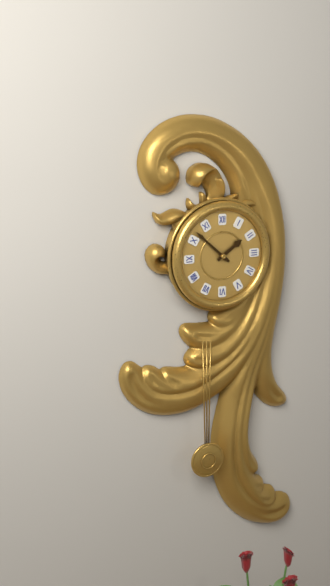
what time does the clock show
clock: 1:52
